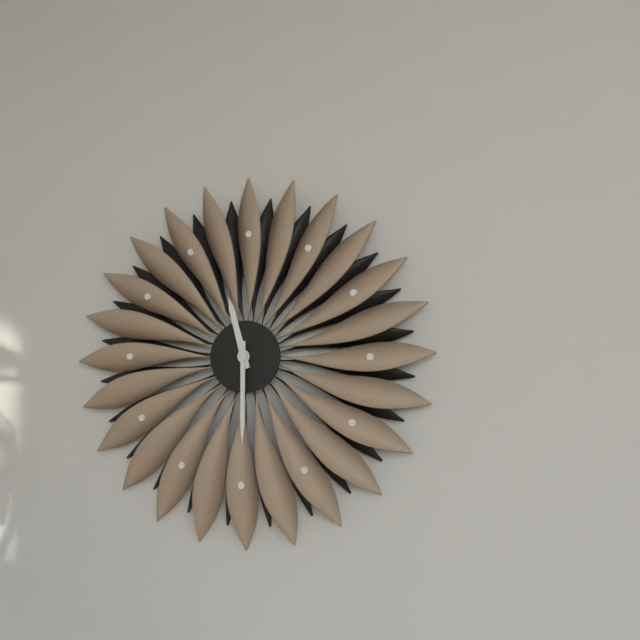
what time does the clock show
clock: 11:30
